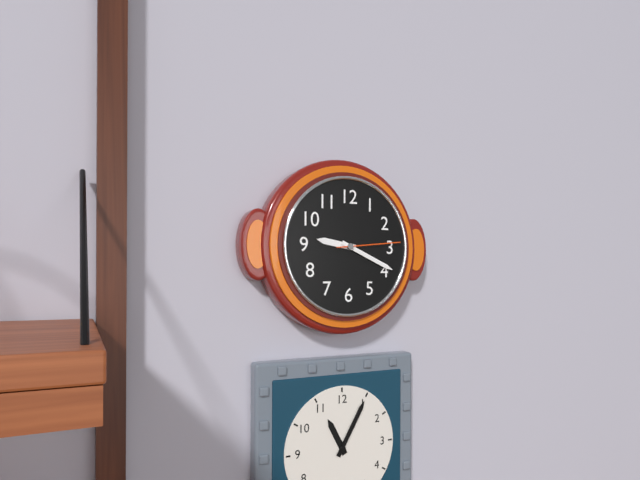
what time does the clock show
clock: 9:19:14
